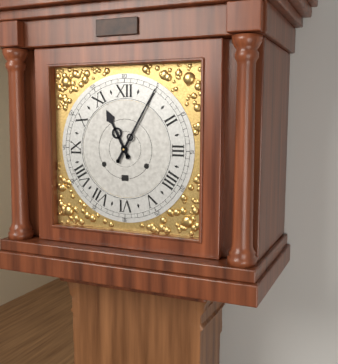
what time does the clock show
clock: 11:05
